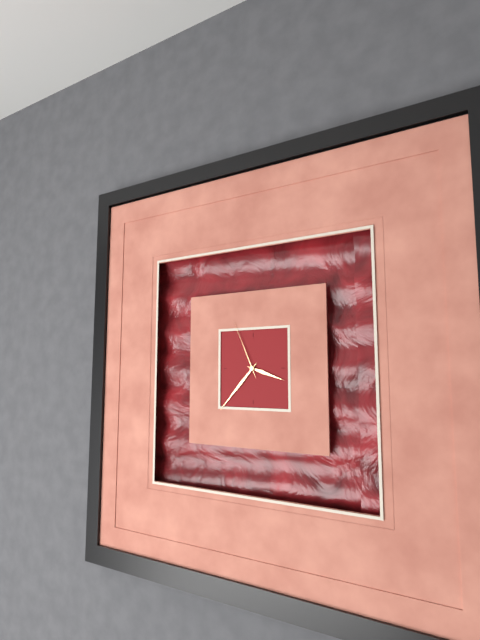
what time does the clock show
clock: 3:37:56
